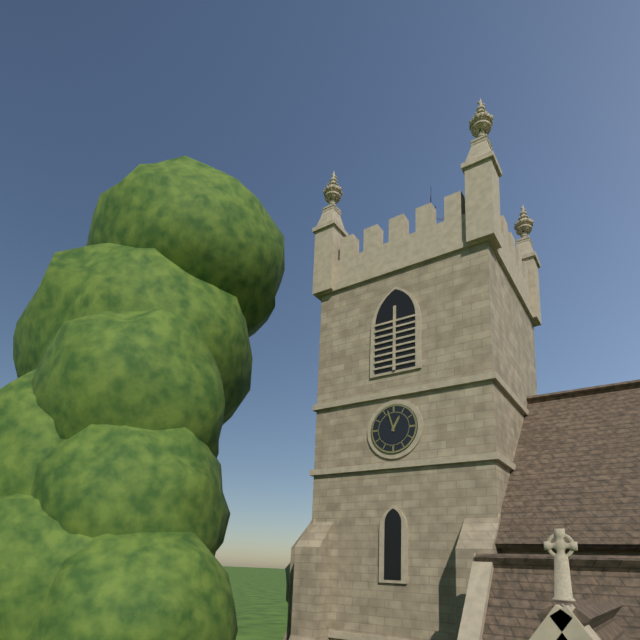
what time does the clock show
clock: 12:57
